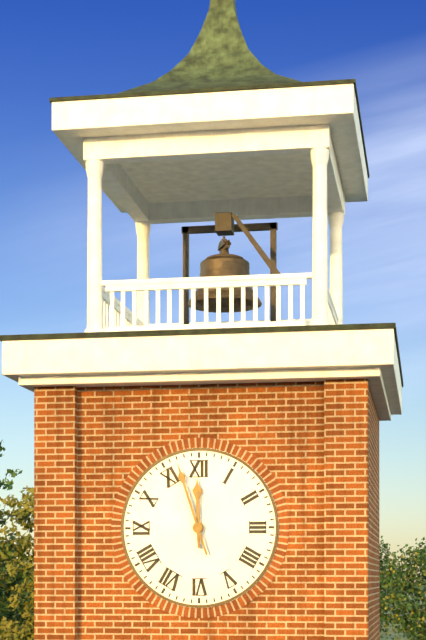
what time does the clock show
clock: 11:57
